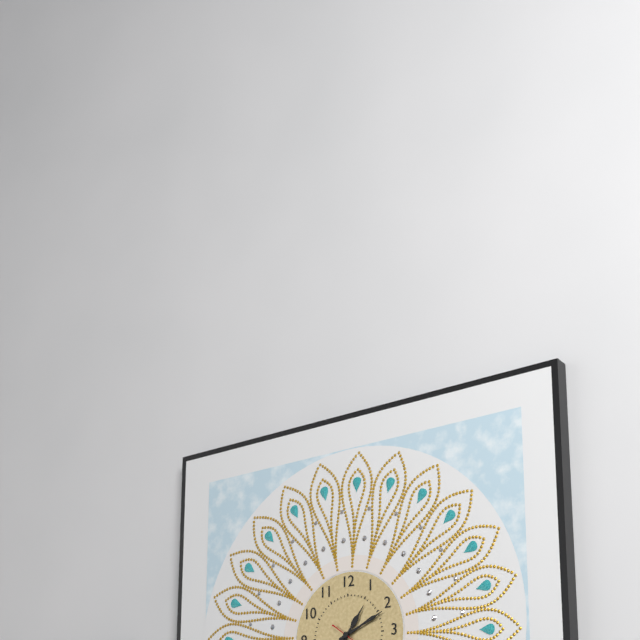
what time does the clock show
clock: 1:11
